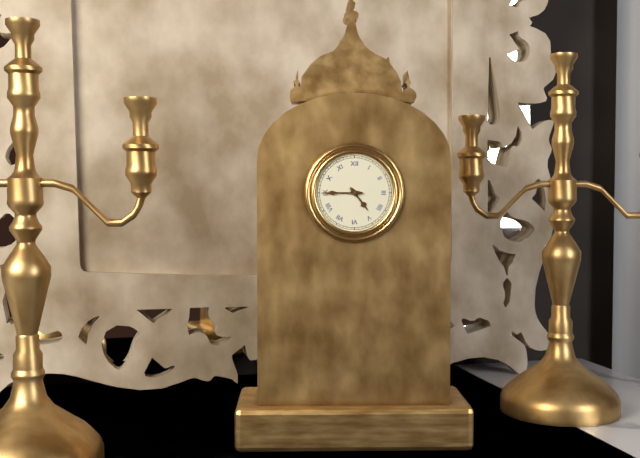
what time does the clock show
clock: 4:45
